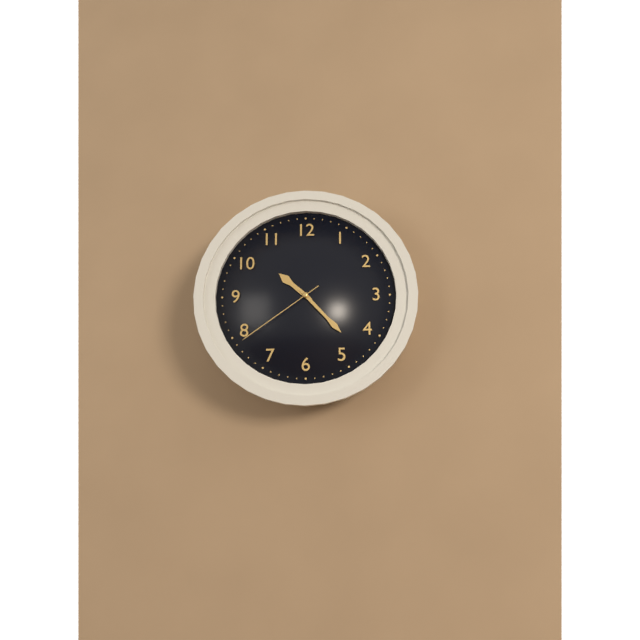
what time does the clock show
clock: 10:23:39
